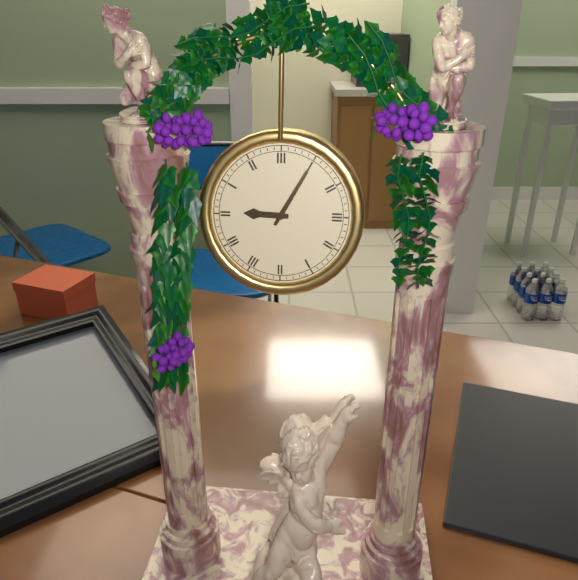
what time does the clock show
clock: 9:05
